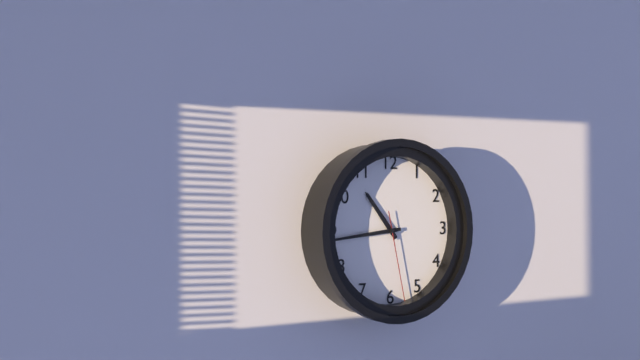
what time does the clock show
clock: 10:44:28
